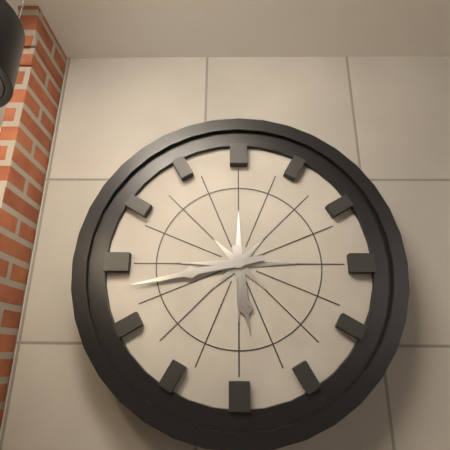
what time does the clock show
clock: 5:43
